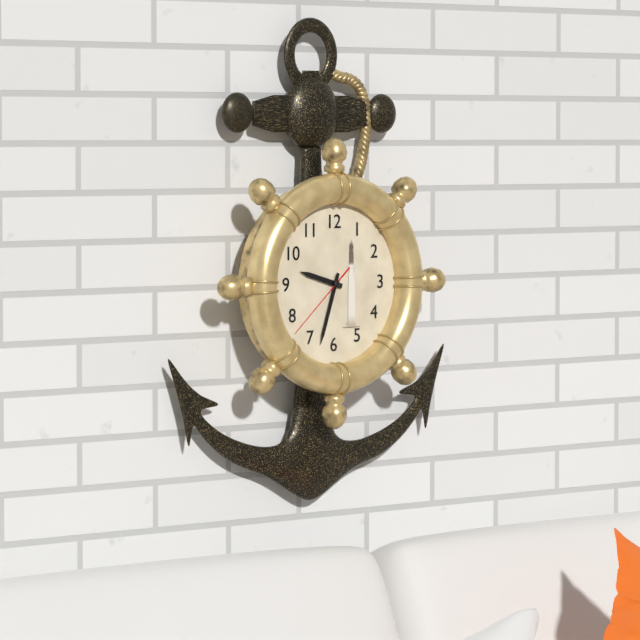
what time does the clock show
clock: 9:33:38
